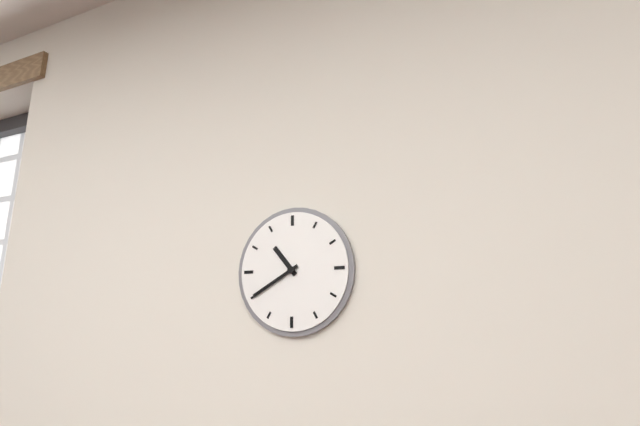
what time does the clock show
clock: 10:40
